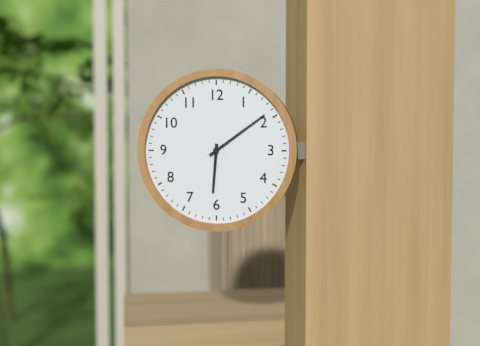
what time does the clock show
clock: 6:09
